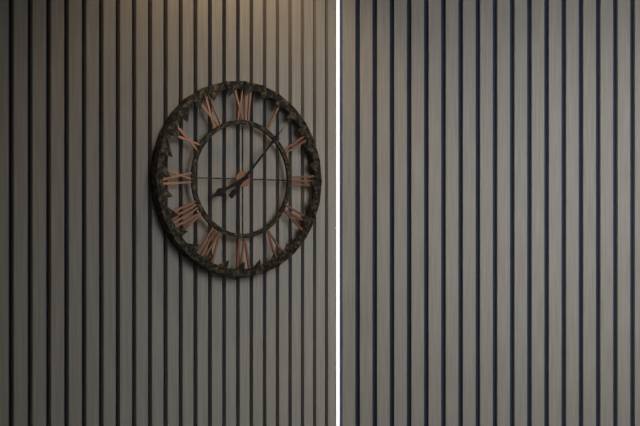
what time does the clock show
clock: 8:07
